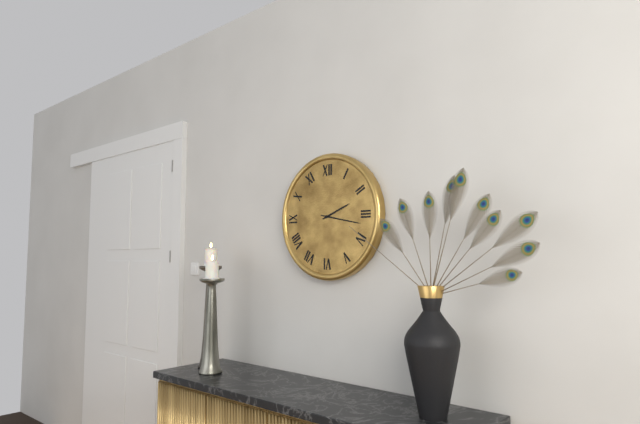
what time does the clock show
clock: 2:17
